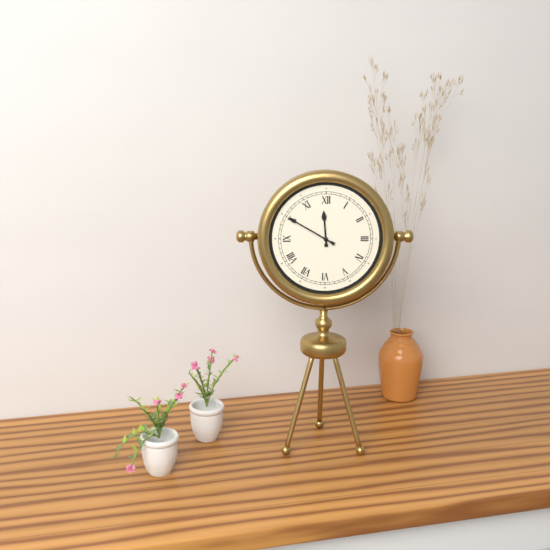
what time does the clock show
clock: 11:50
